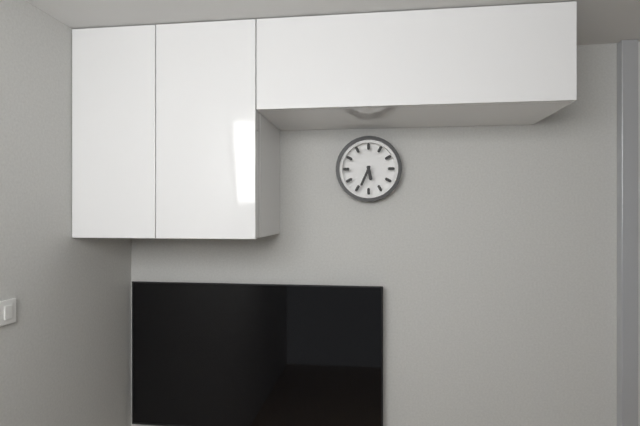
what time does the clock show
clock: 5:34
